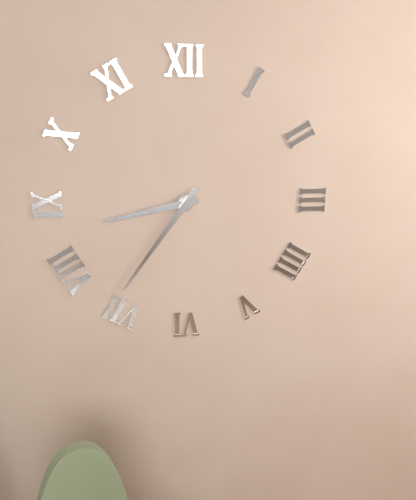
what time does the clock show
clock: 8:36
